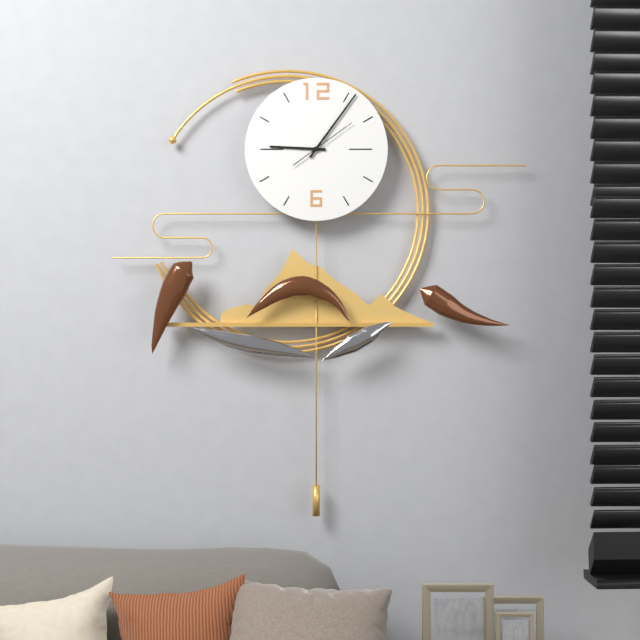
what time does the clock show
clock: 9:06:09
